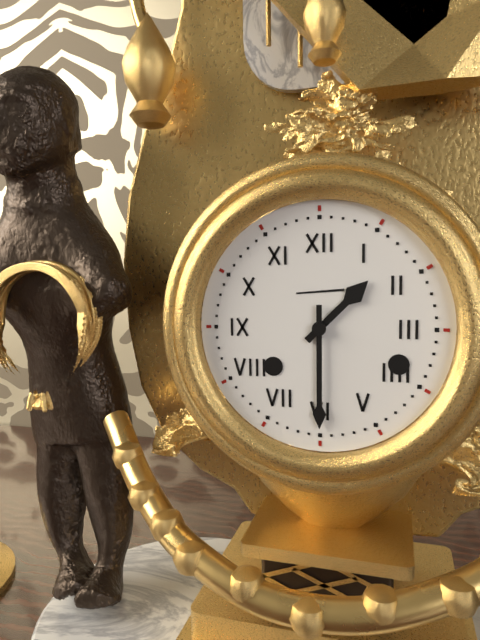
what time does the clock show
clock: 1:30
